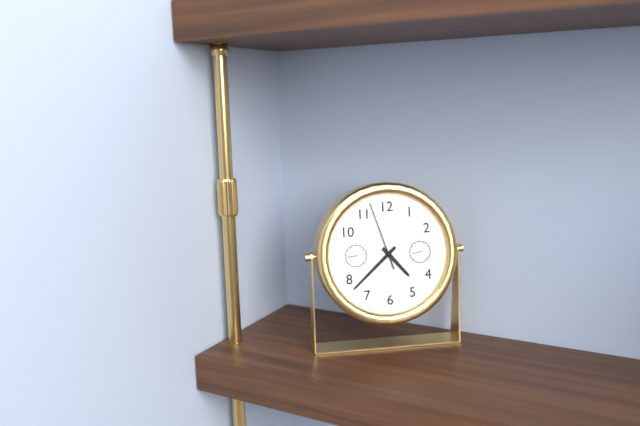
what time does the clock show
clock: 4:38:57
